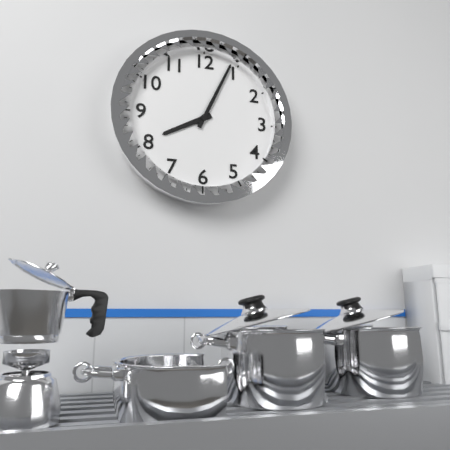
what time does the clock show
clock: 8:04
